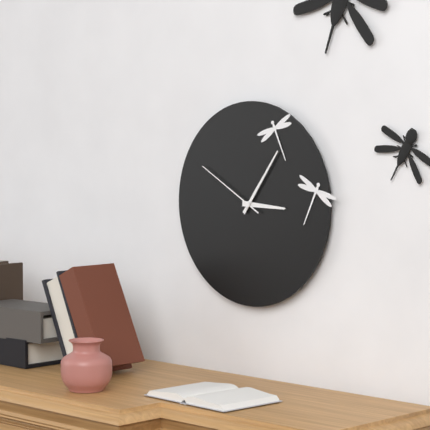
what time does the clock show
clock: 3:06:50
